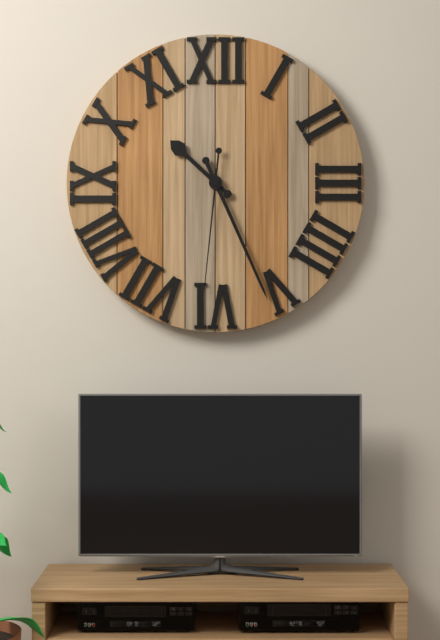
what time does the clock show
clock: 10:26:31
